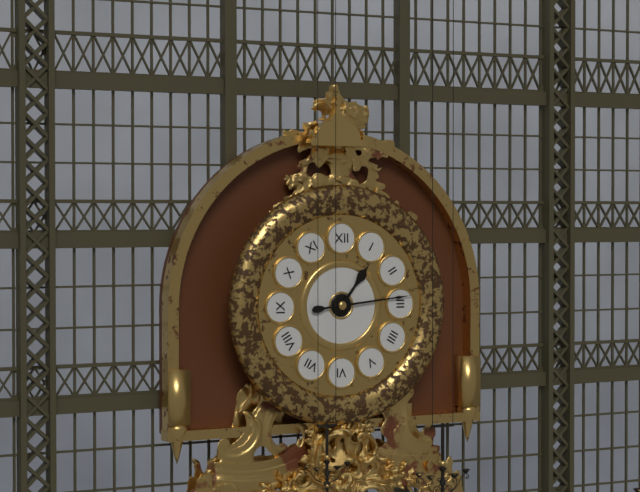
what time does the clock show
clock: 1:14
